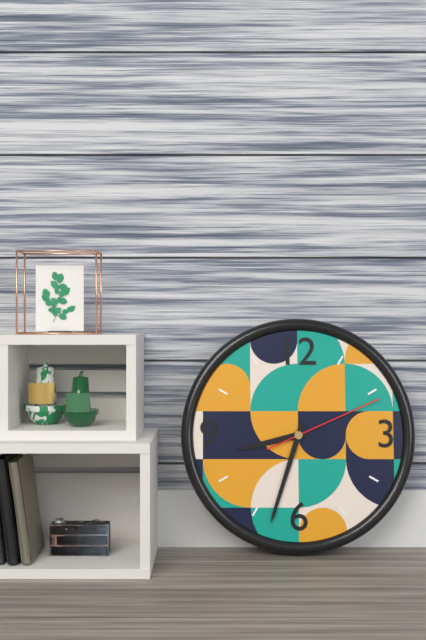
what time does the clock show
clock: 8:33:11
